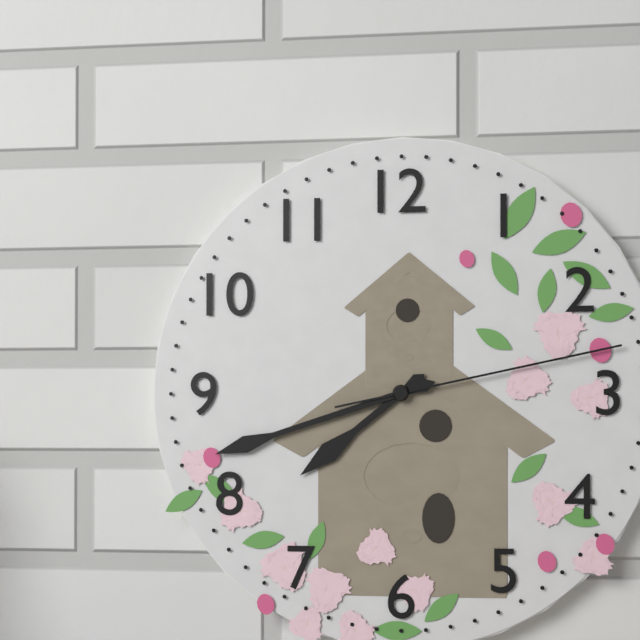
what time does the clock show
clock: 7:42:13
